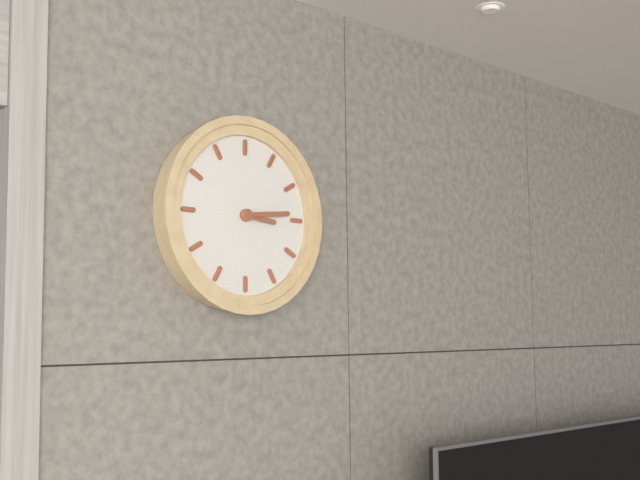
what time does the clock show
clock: 3:14
